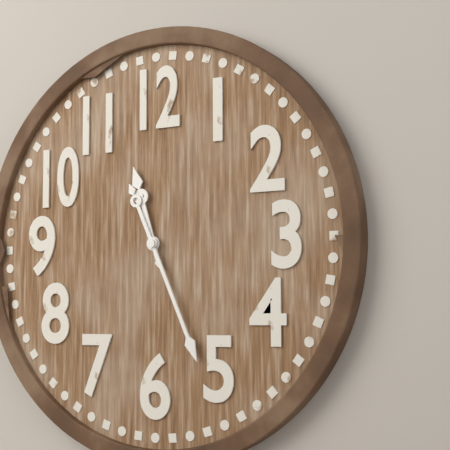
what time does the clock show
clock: 11:26
